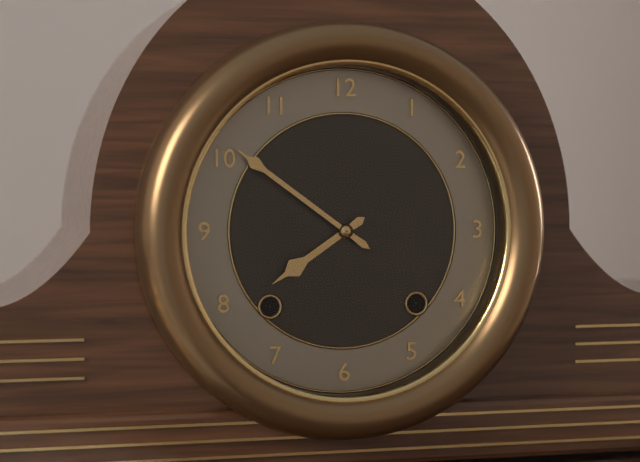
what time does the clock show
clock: 7:51
